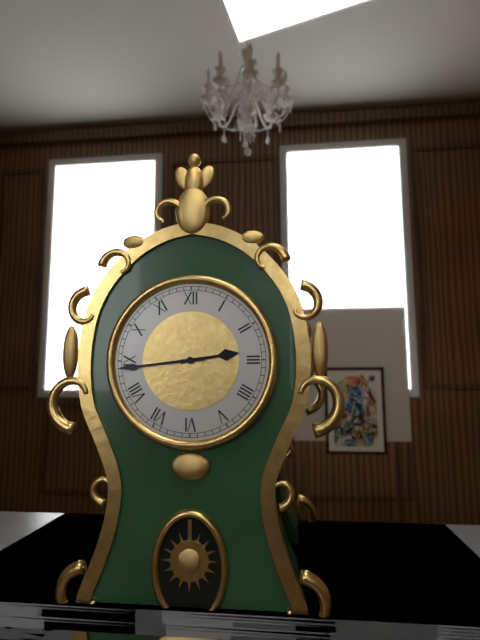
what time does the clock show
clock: 2:44
